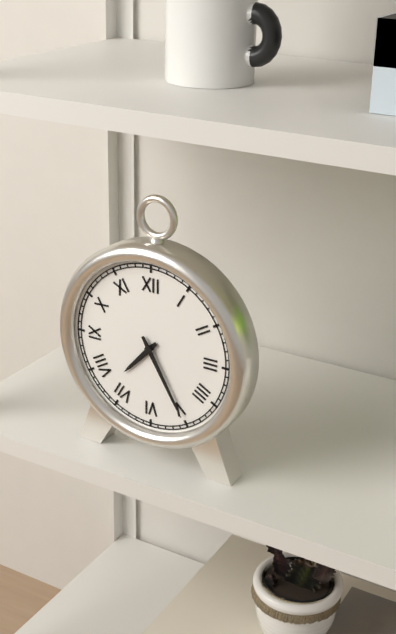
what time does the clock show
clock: 7:25
